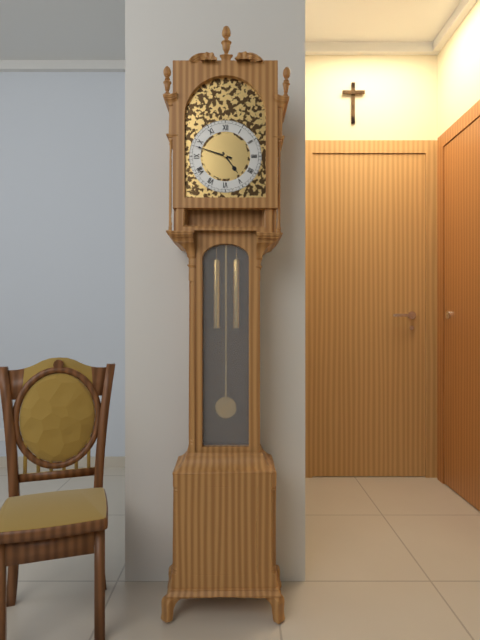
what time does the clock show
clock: 4:48
